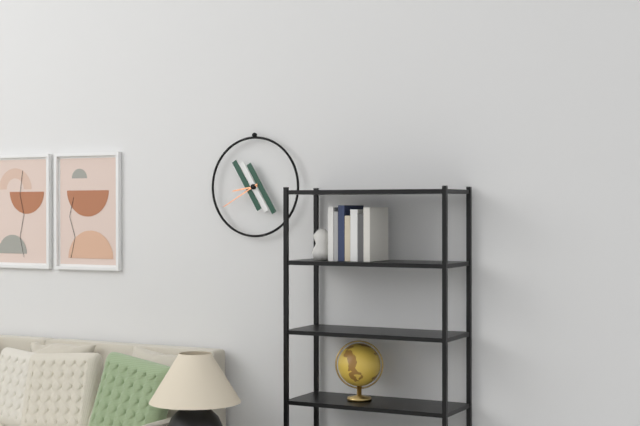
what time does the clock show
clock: 8:40
